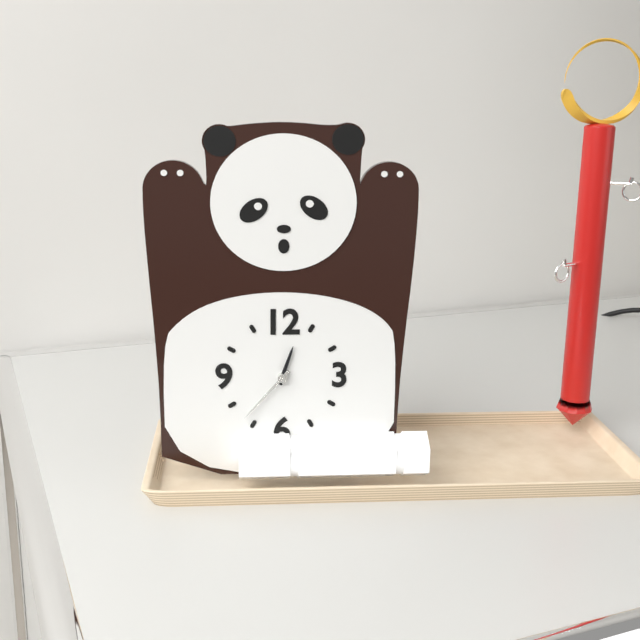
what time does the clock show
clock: 12:37
